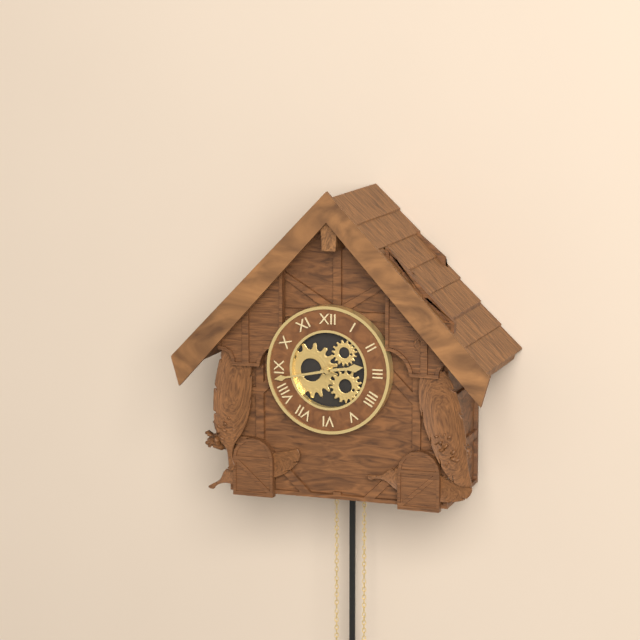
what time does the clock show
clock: 2:43
